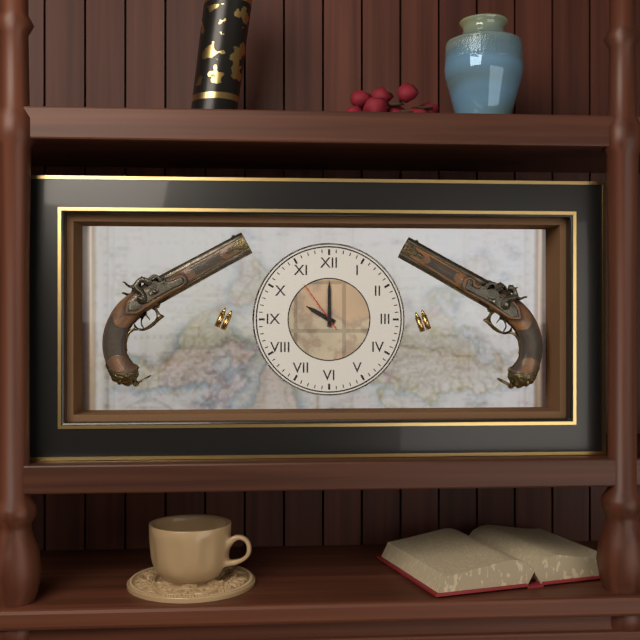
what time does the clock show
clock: 10:00:54
